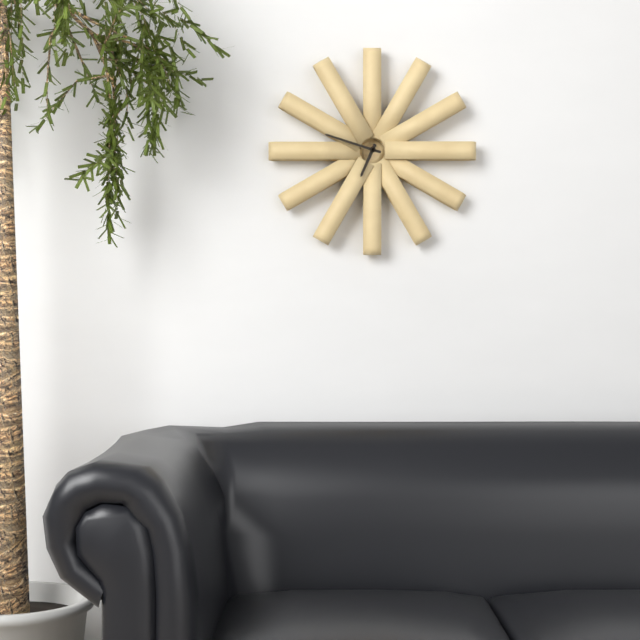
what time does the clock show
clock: 6:48
